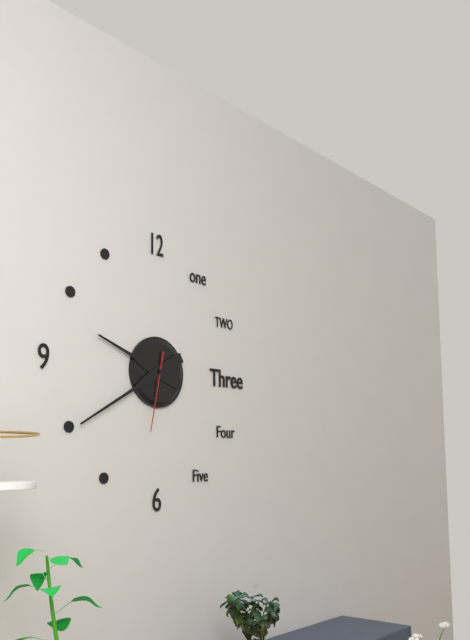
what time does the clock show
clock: 9:40:32
